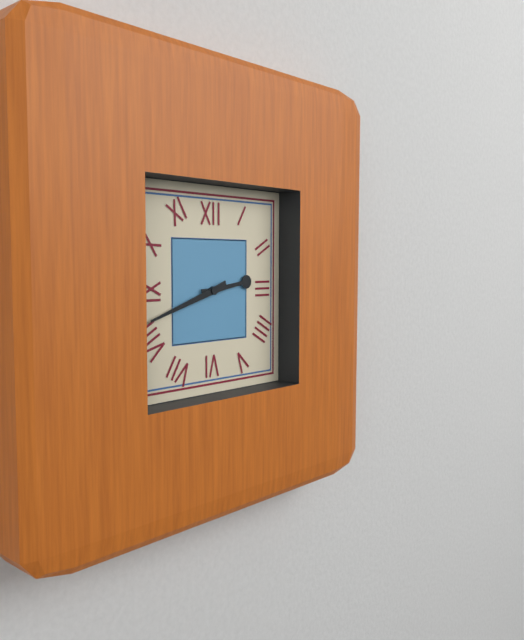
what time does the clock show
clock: 2:42
